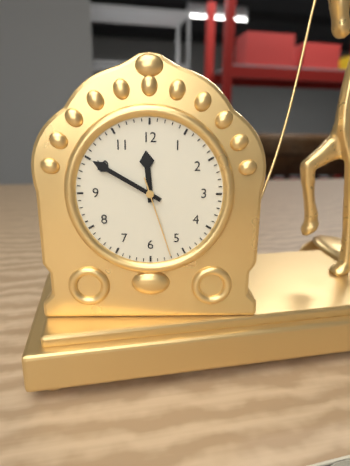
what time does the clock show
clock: 11:50:27
